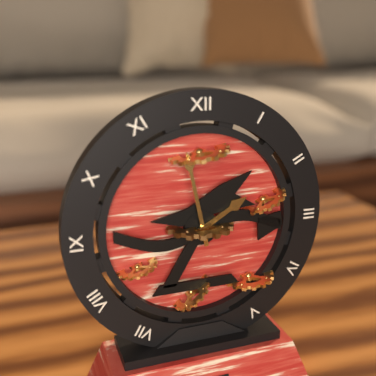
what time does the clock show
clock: 1:58
